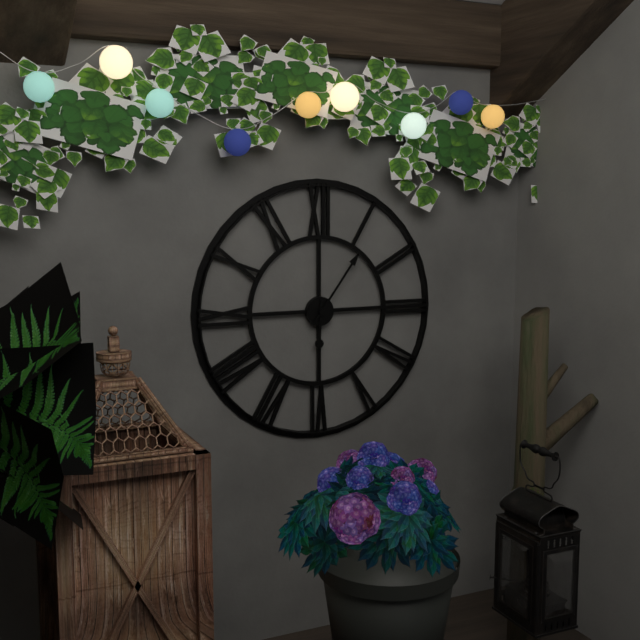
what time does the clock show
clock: 6:06
